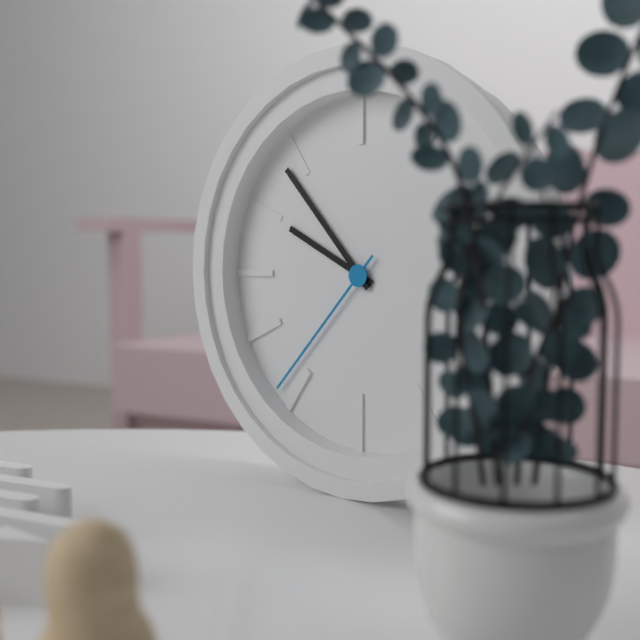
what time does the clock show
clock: 9:53:37
